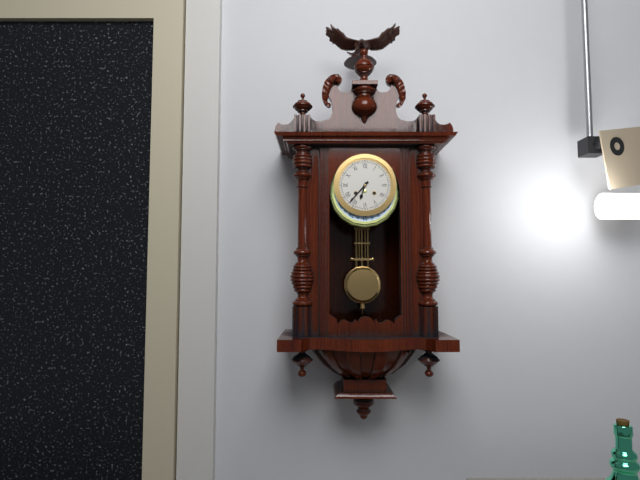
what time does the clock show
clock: 6:37
